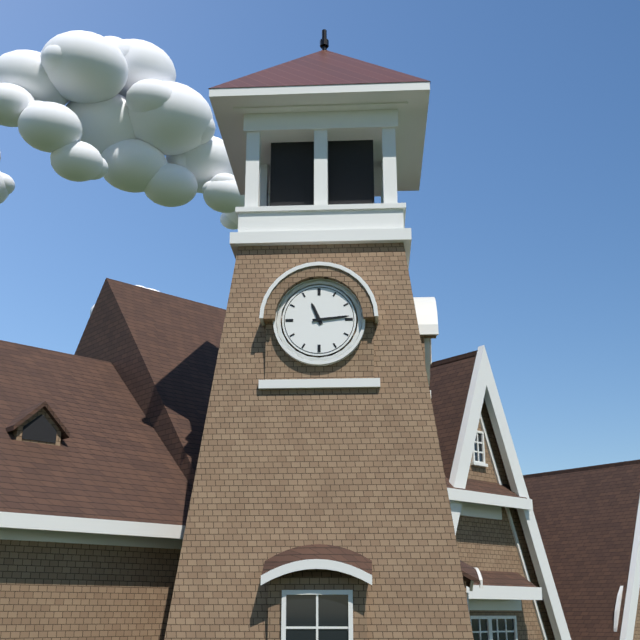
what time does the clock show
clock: 11:14
